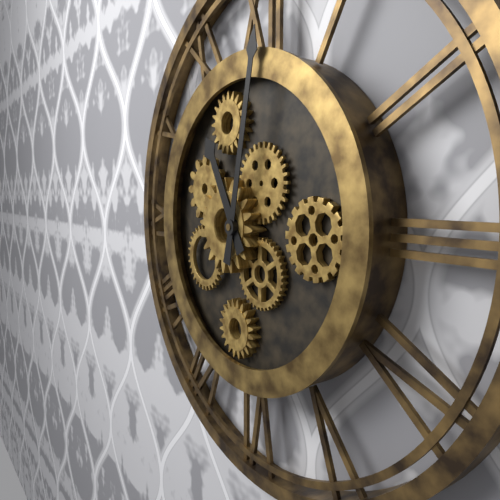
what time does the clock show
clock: 11:02
